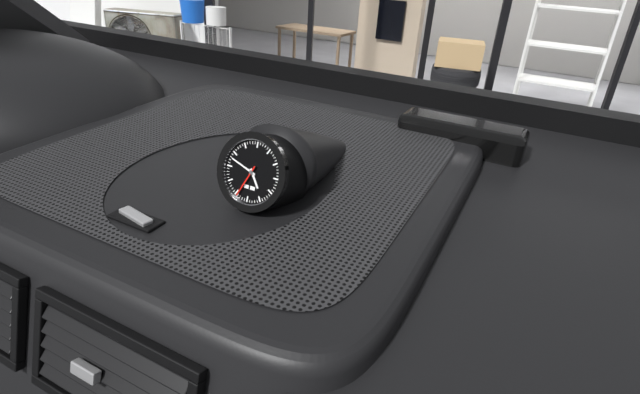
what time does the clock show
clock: 4:48
